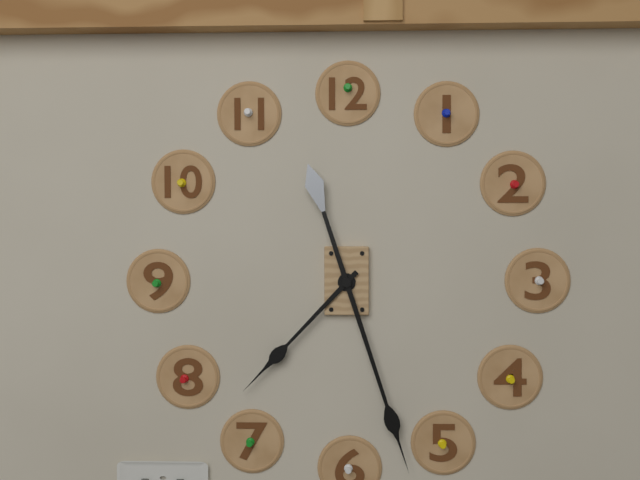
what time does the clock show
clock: 7:27
